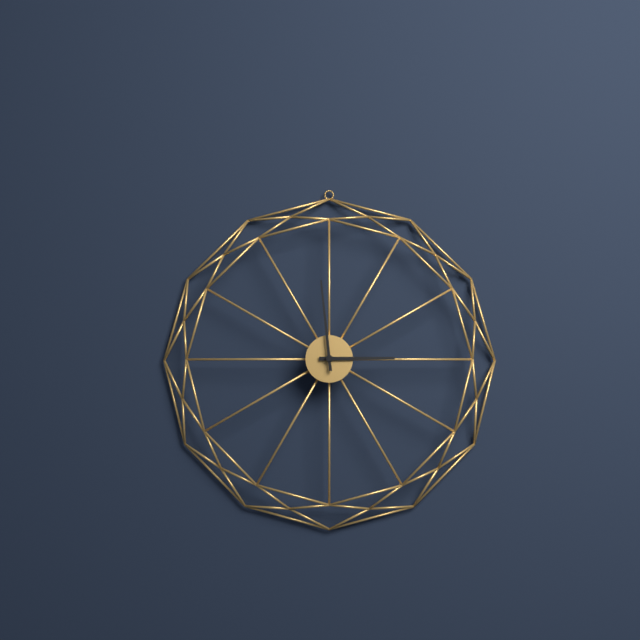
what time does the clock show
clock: 2:59
